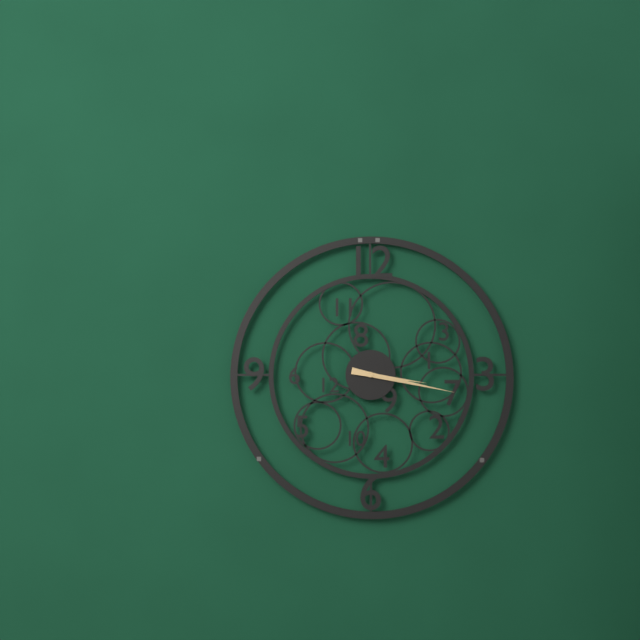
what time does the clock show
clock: 3:17
